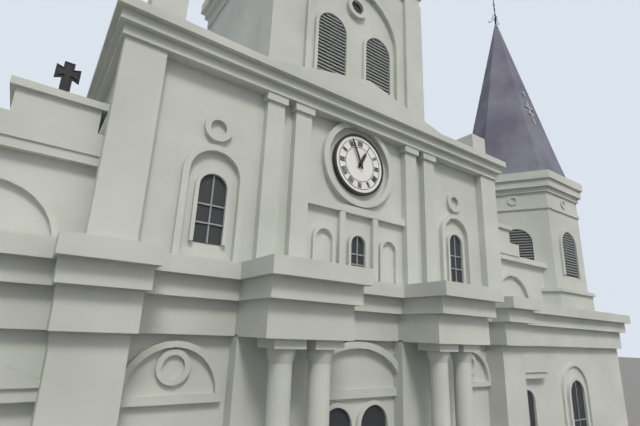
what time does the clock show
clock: 12:56
